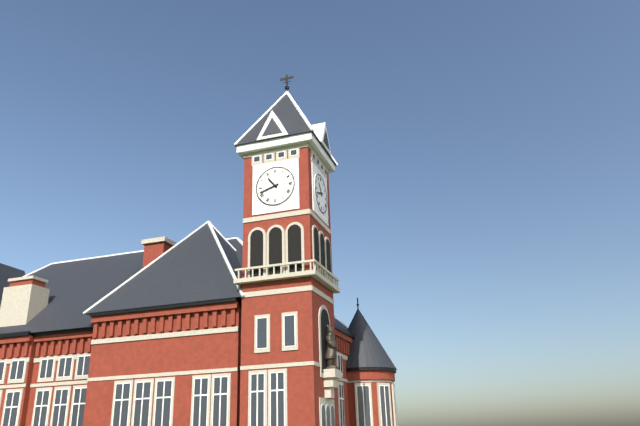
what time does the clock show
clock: 10:42
